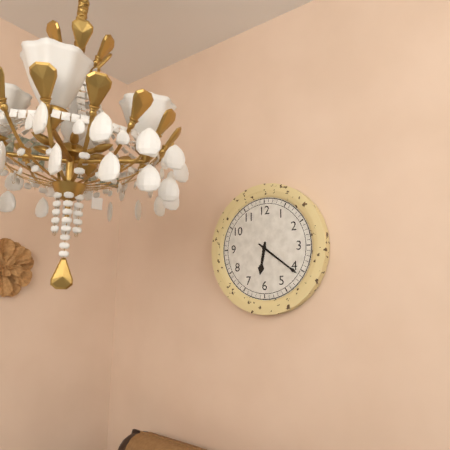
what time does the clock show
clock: 6:21
